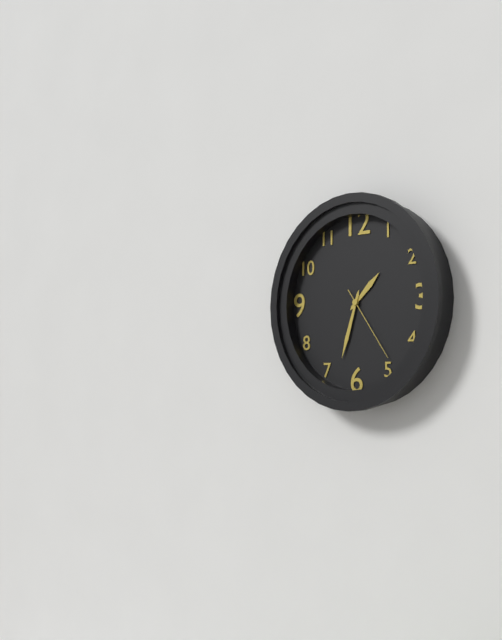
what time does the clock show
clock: 1:33:24
